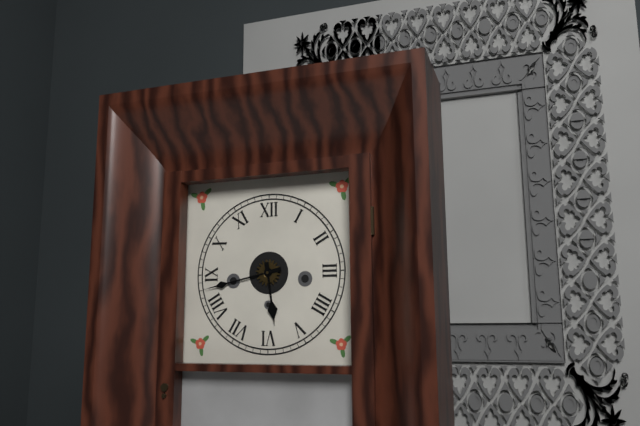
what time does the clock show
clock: 5:43
